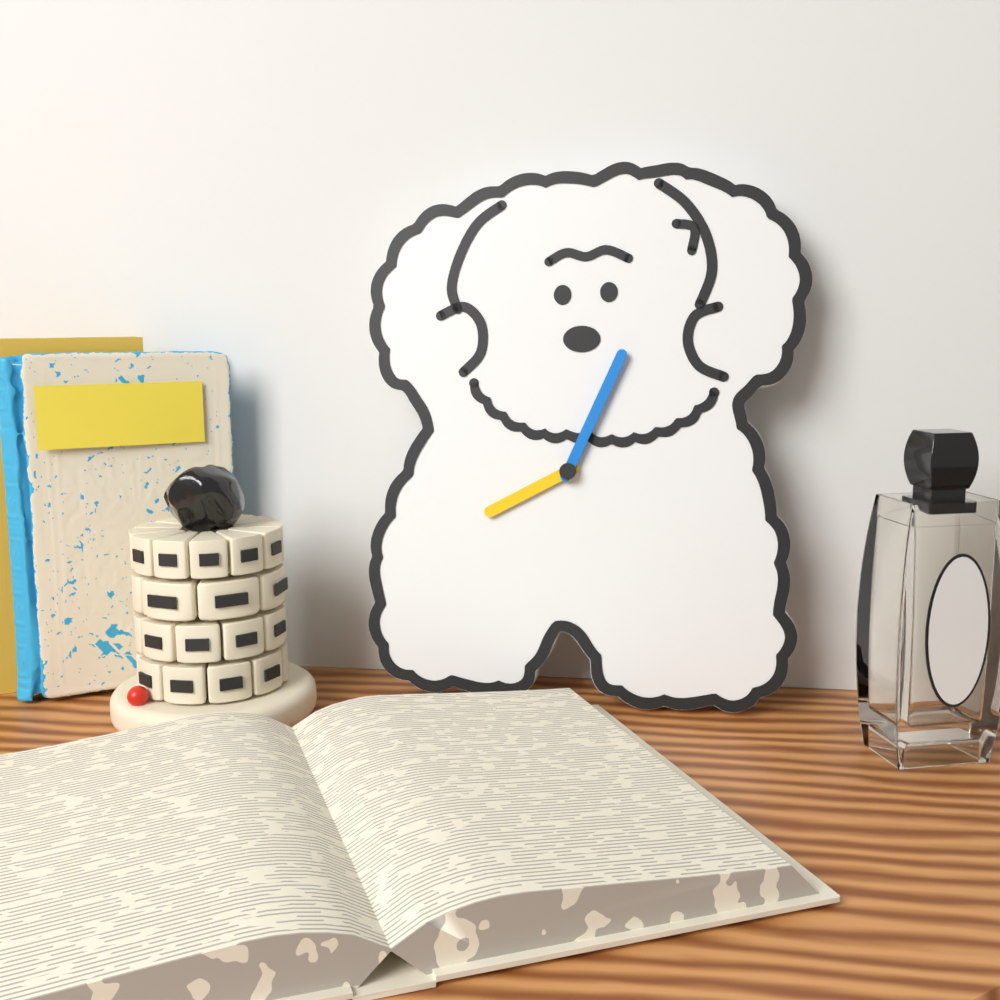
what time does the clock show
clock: 8:04
